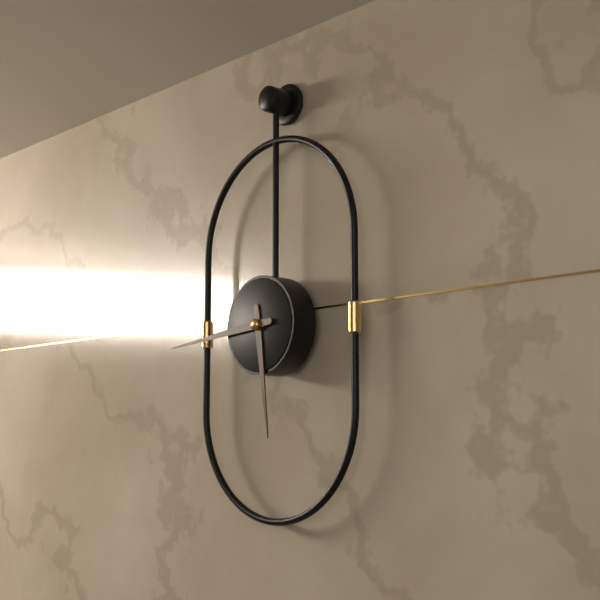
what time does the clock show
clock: 5:44
